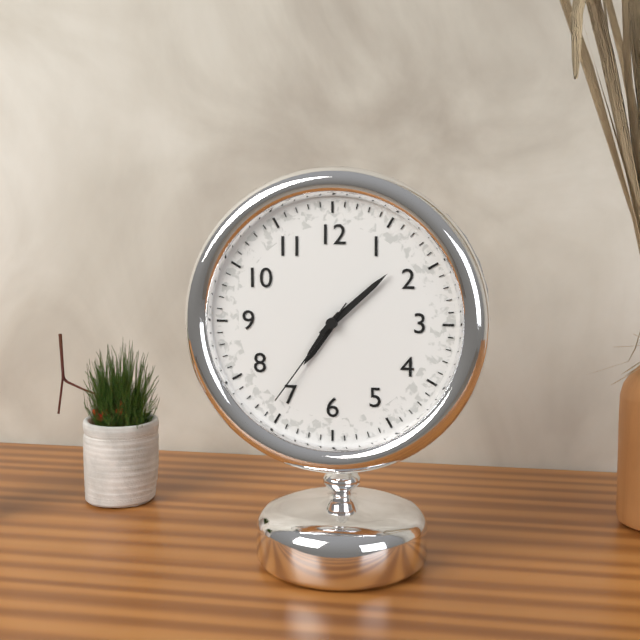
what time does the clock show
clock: 7:08:36
